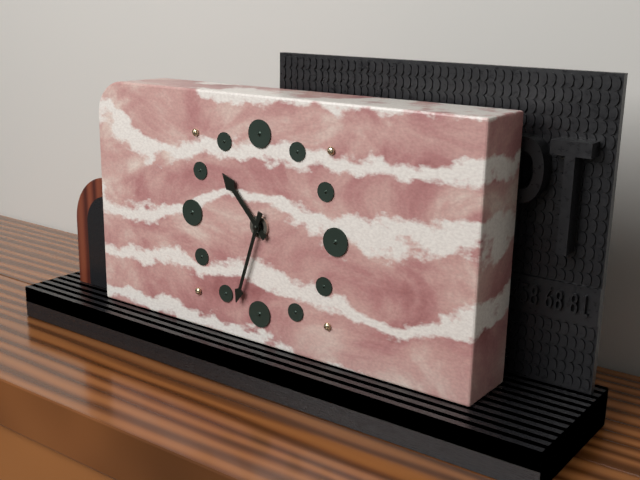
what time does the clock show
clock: 10:33
